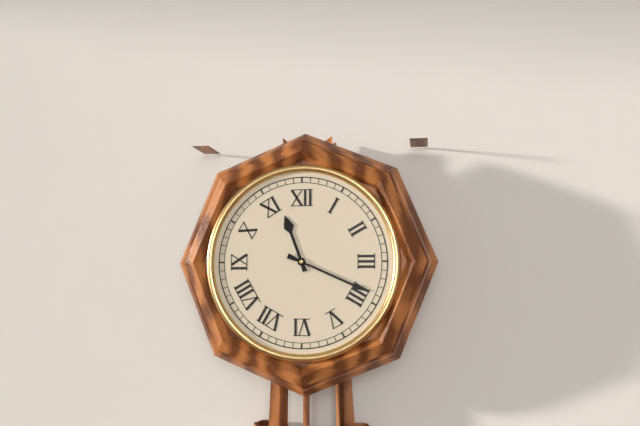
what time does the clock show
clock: 11:19
